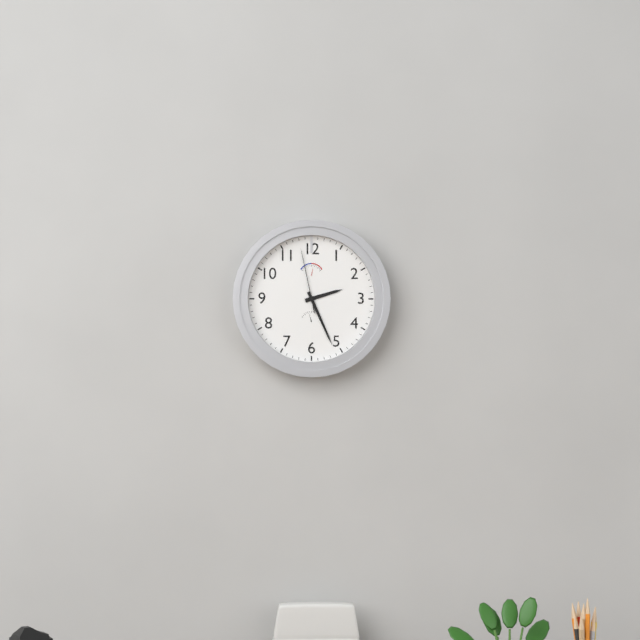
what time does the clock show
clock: 2:26:58
